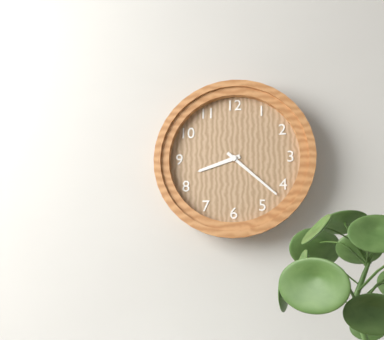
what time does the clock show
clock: 8:22
